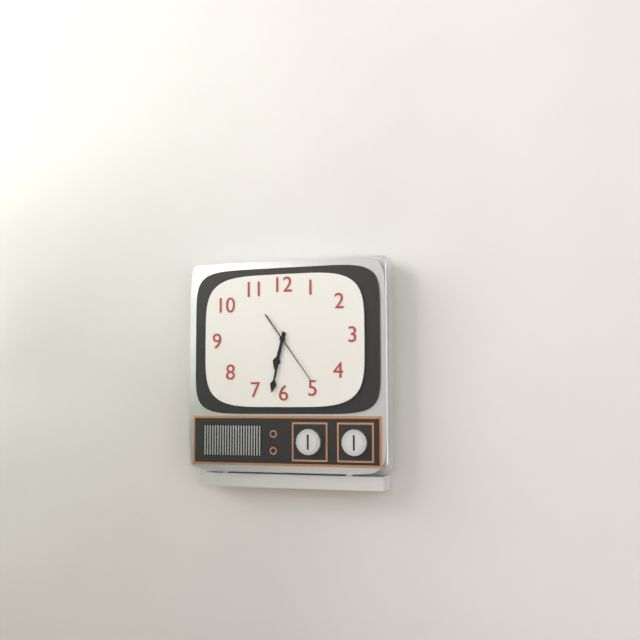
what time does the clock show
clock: 6:32:24
